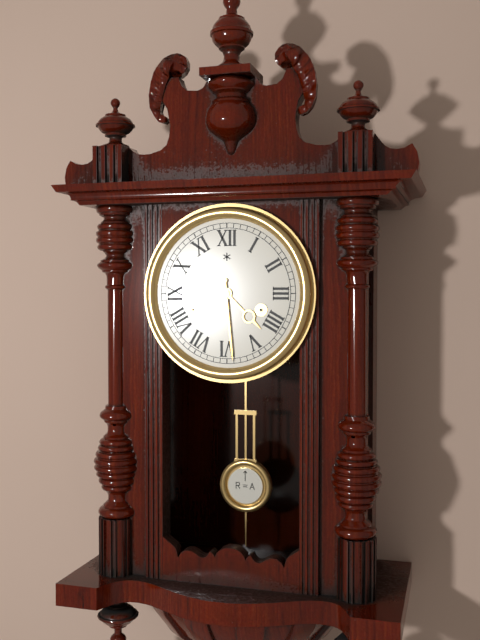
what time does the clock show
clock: 4:29
